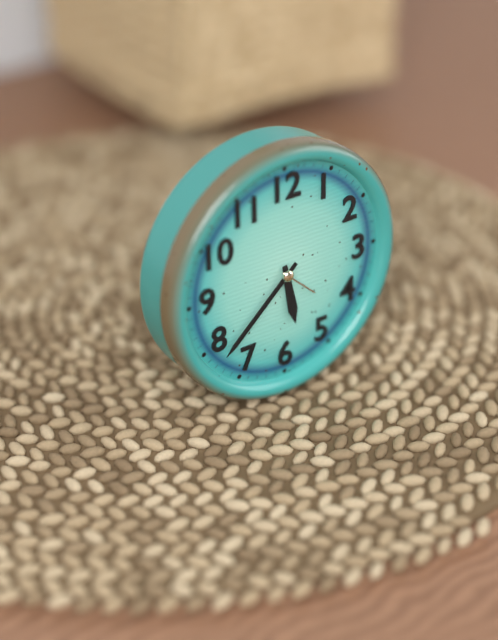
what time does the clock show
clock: 5:38
